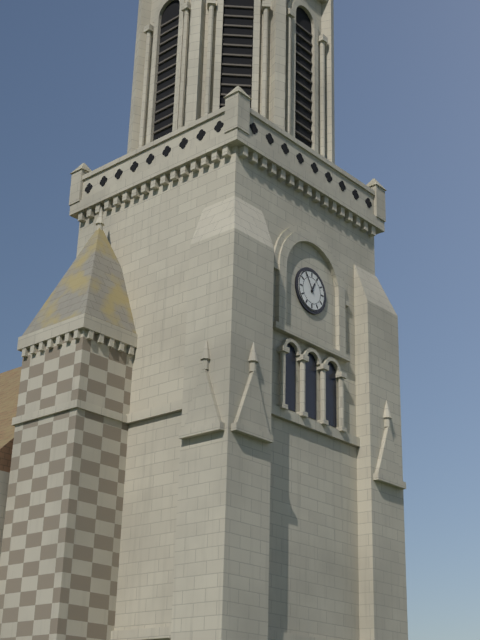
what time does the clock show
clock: 12:55
